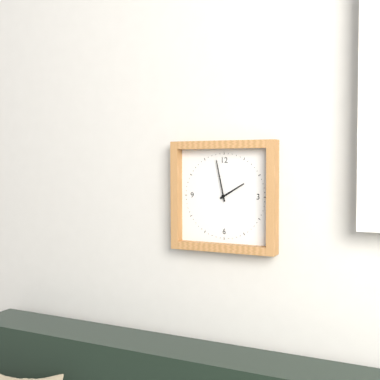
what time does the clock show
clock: 1:58
